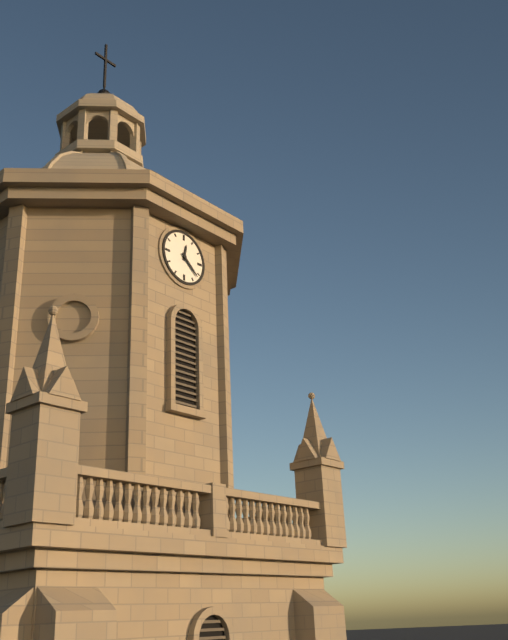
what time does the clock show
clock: 12:22
